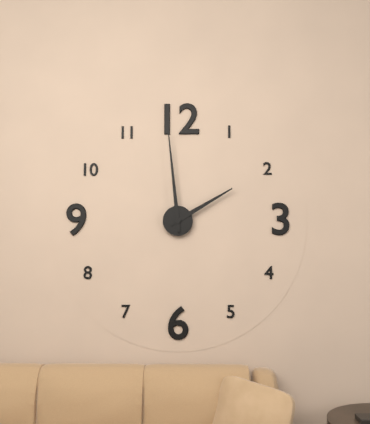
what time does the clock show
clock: 1:59
